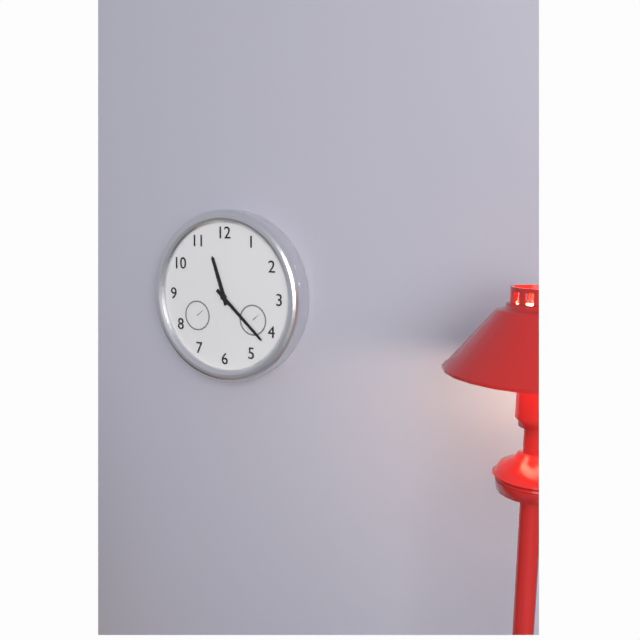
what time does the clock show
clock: 11:22
